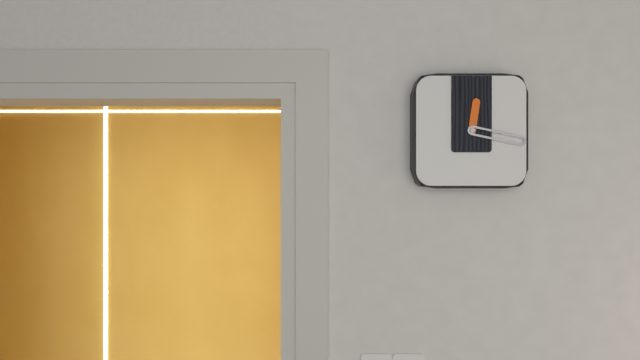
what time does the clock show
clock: 12:17
